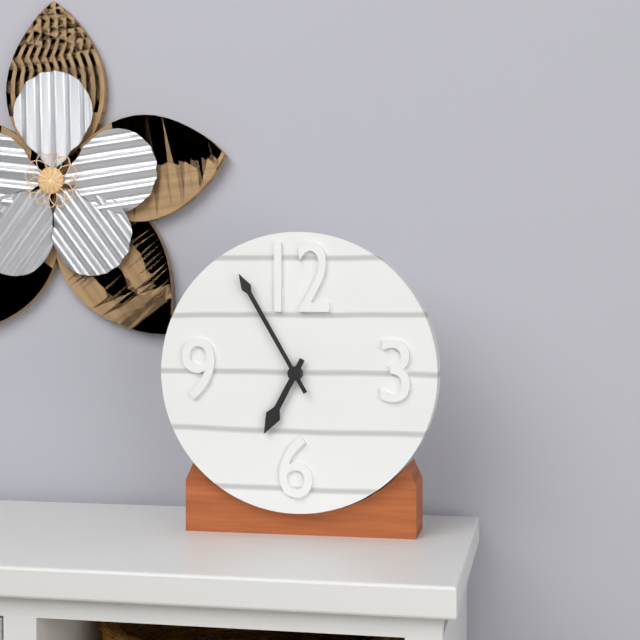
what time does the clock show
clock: 6:55
